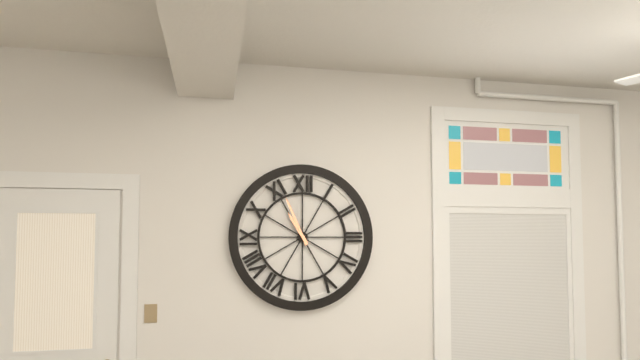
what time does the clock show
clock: 10:56
